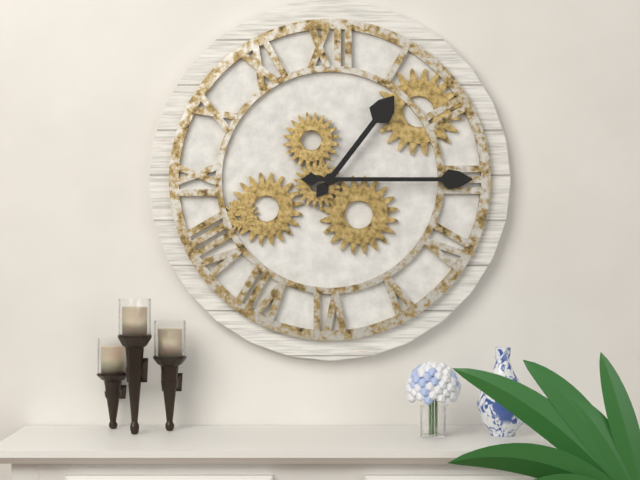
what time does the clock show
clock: 1:15
